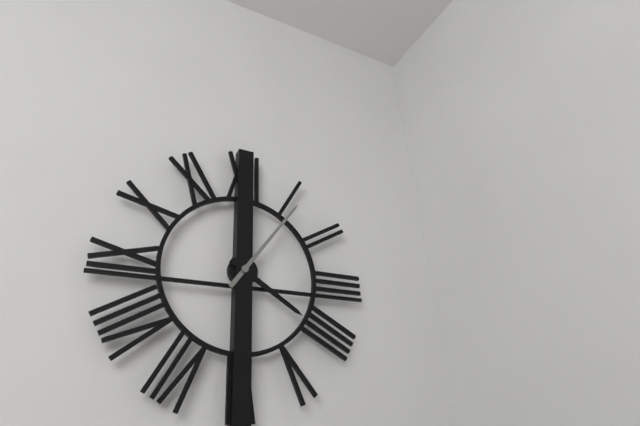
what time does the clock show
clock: 4:06
